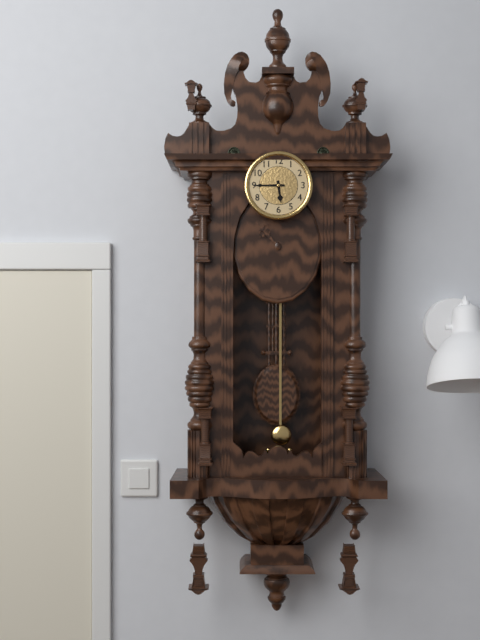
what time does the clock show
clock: 5:45
